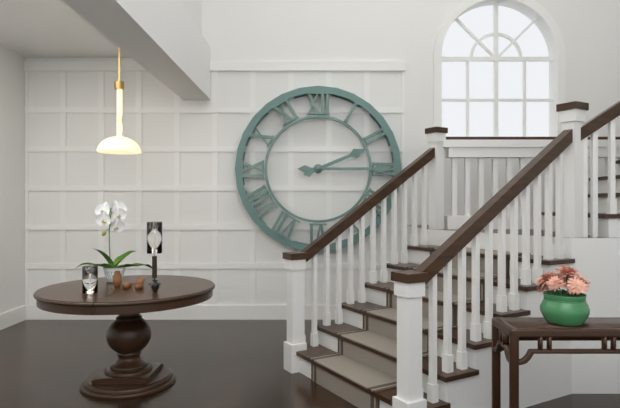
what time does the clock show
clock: 2:15
